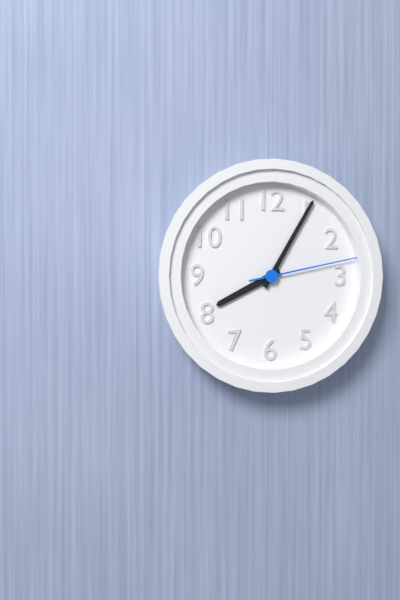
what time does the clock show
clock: 8:05:13
